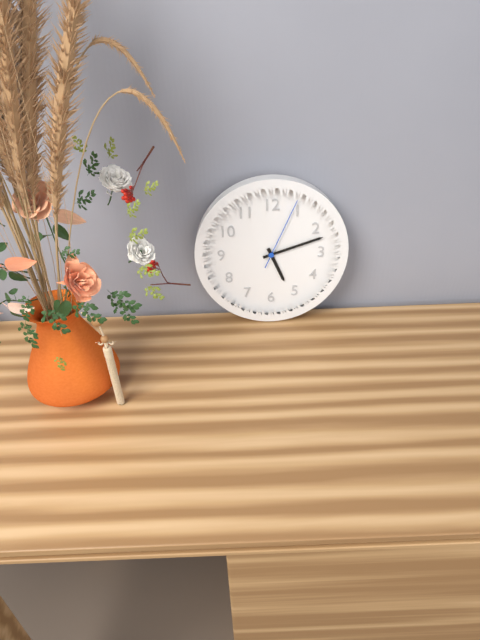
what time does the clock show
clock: 5:12:04
